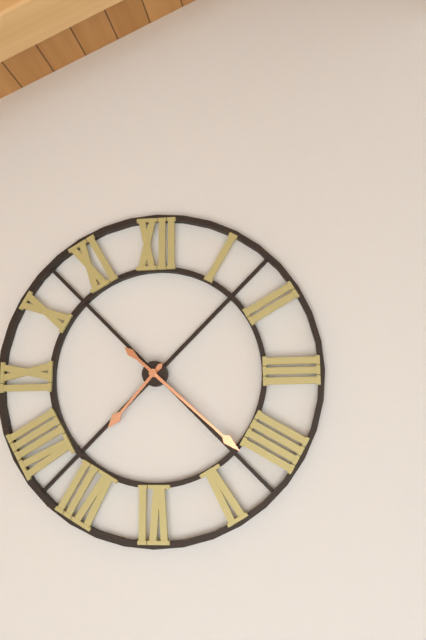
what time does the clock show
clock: 7:22
